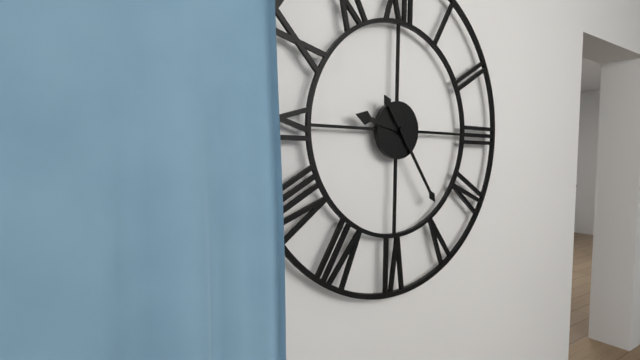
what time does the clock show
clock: 9:24
